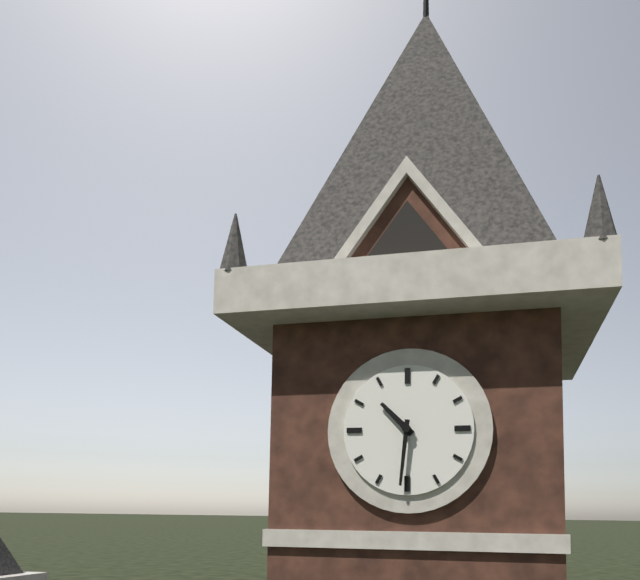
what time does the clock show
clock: 10:31
